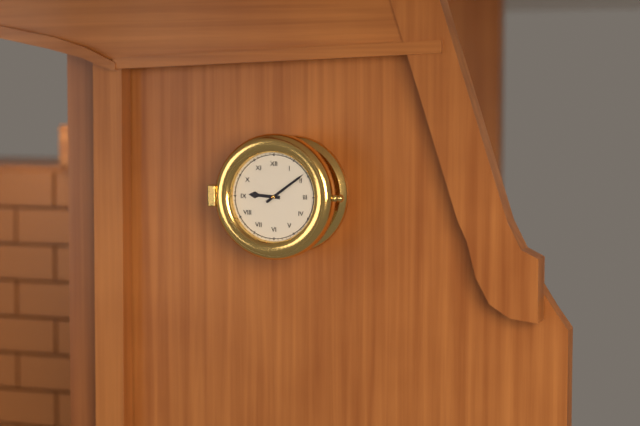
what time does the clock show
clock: 9:09
